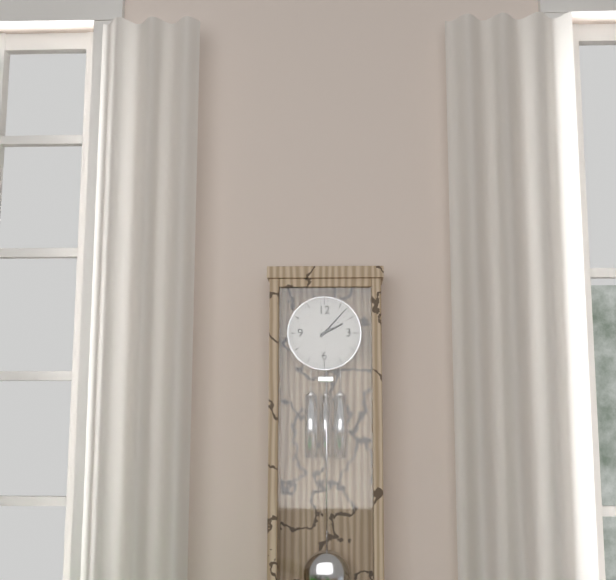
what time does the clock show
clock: 2:07
